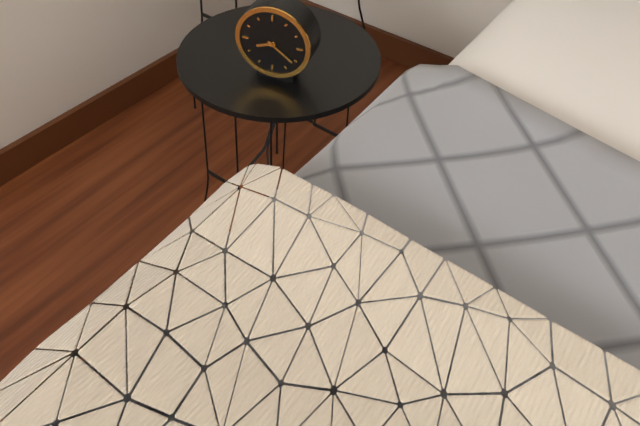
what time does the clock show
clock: 8:21
